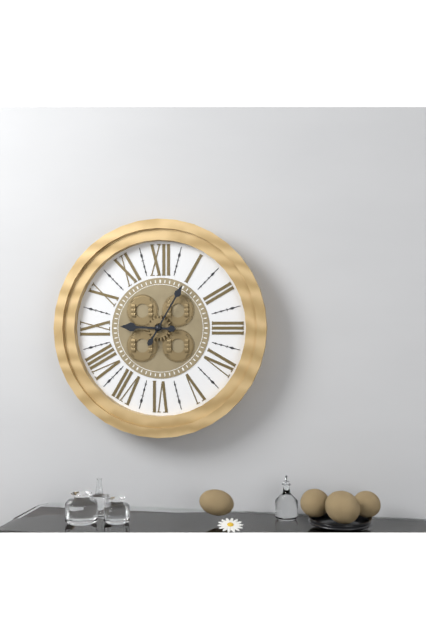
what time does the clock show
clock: 9:05
